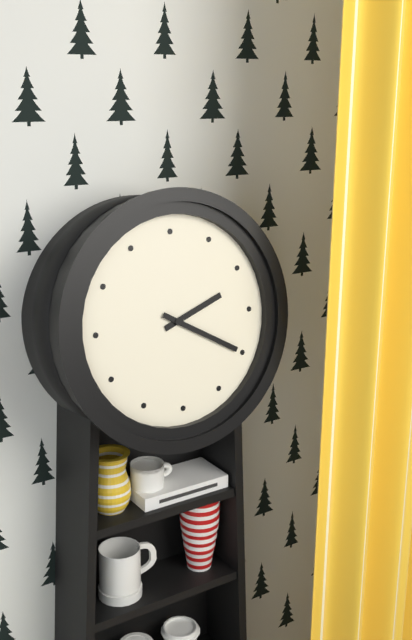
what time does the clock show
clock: 2:20
